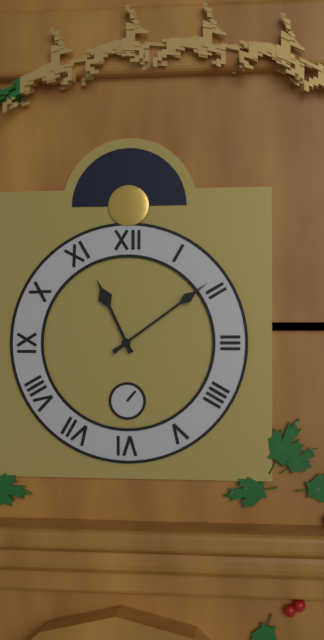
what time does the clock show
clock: 11:09
